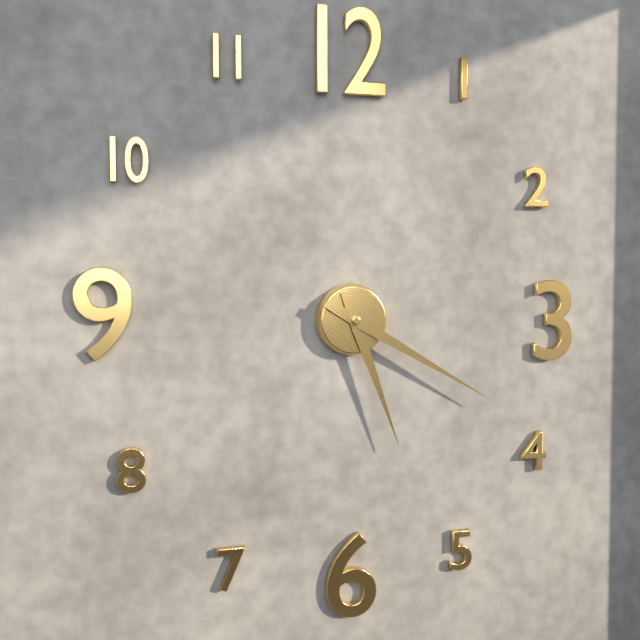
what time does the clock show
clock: 5:20
